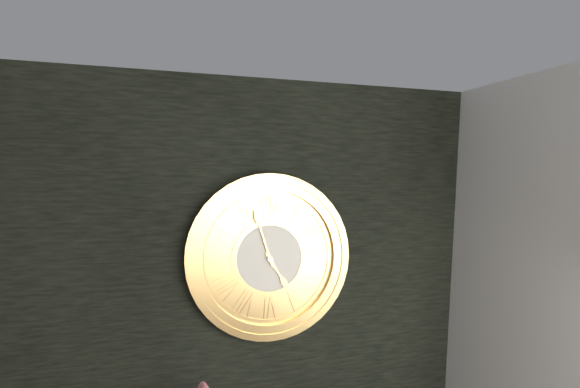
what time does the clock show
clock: 4:57
